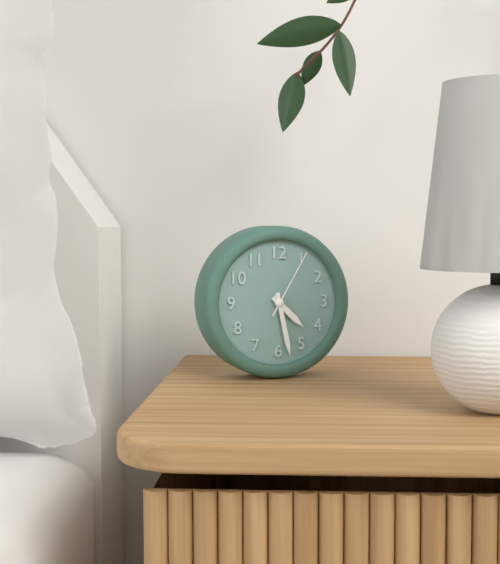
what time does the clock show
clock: 4:28:05
